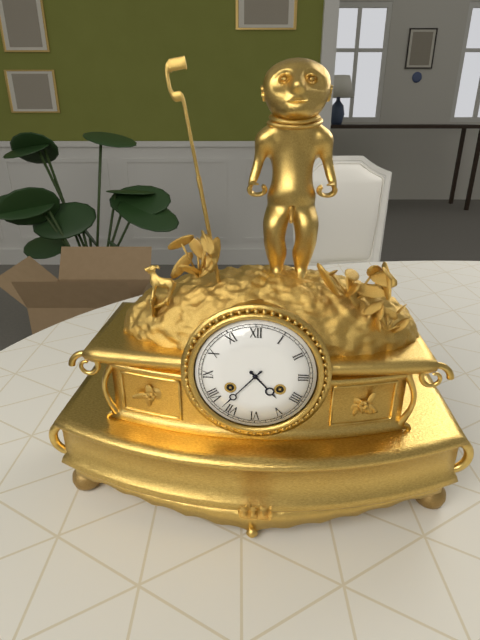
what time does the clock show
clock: 4:37
